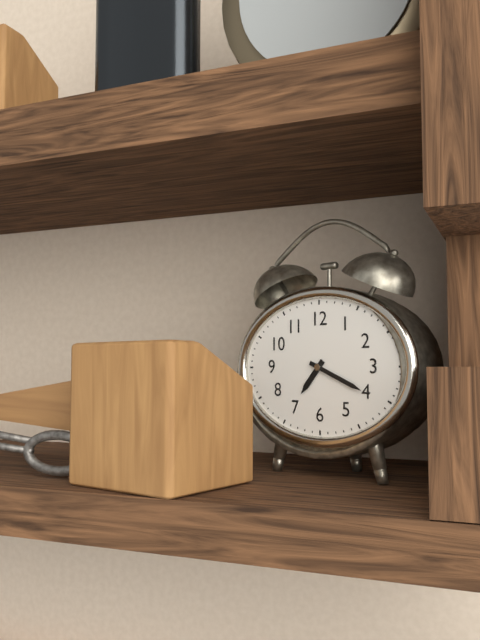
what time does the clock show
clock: 7:19
